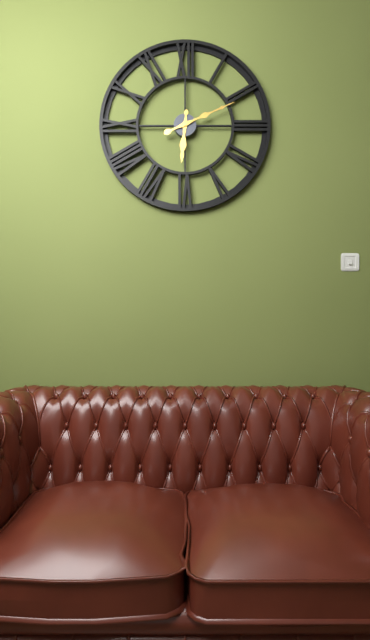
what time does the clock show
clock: 6:11
